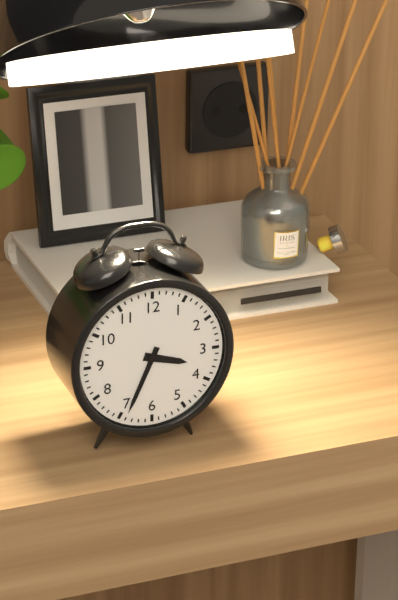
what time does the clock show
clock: 3:34
